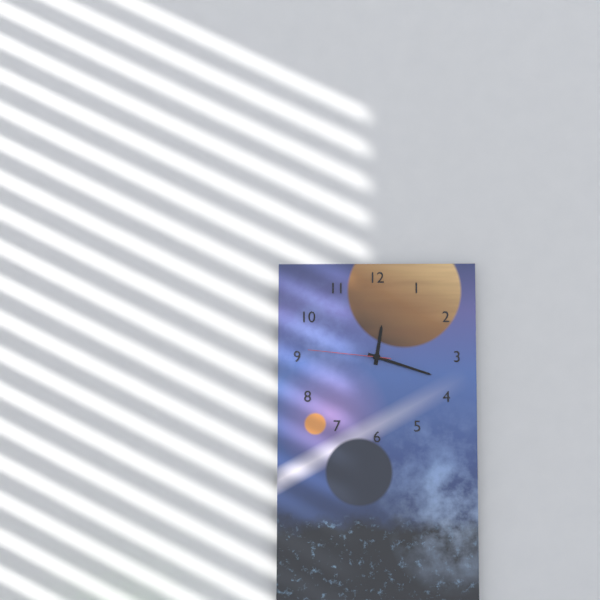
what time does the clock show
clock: 12:18:46
